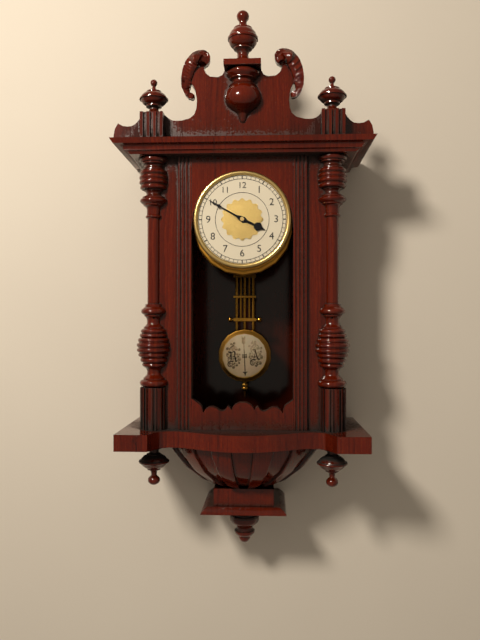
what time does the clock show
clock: 3:50
